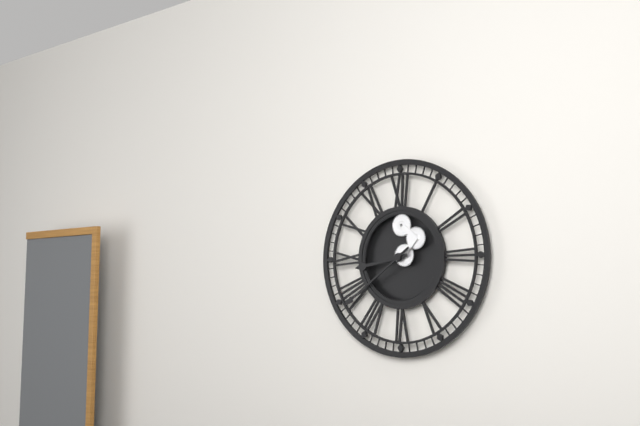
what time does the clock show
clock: 8:39
